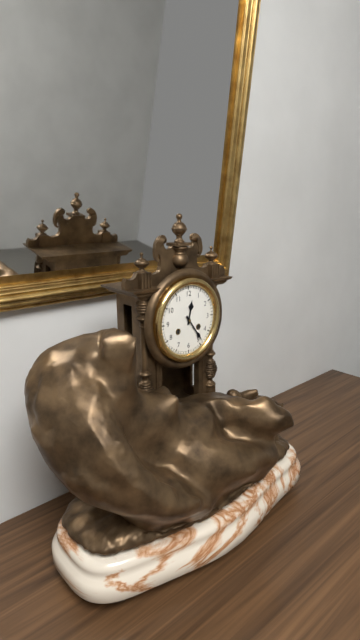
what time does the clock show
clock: 12:24
